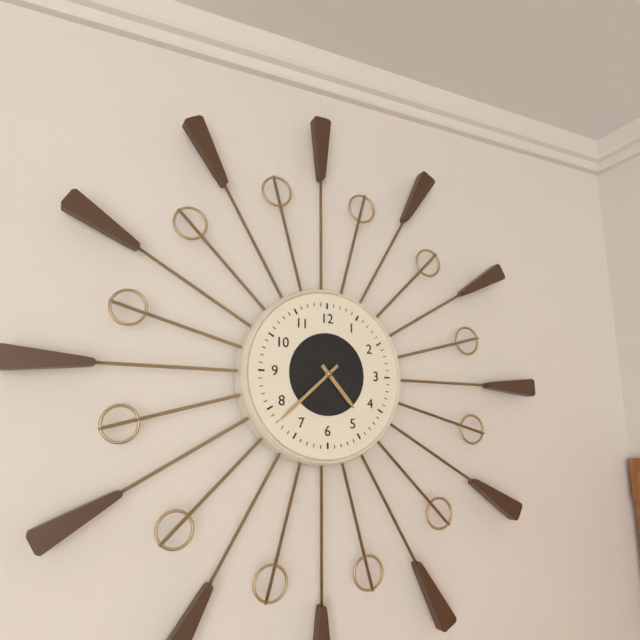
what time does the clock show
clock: 4:38
